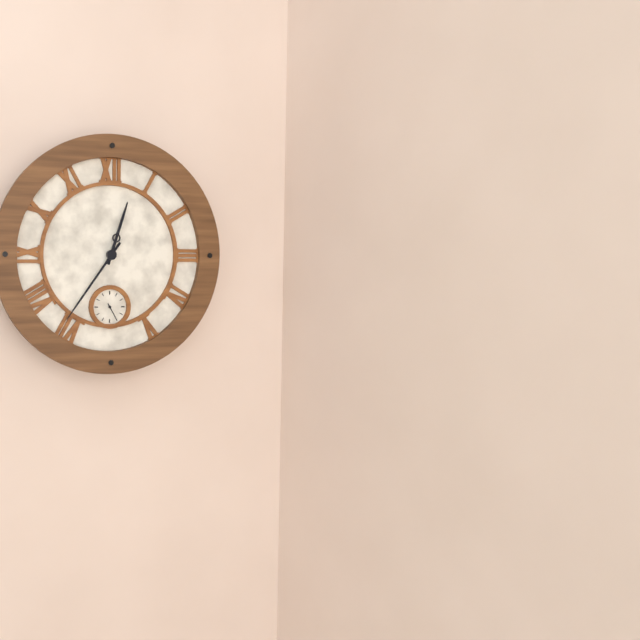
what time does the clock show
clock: 12:36
